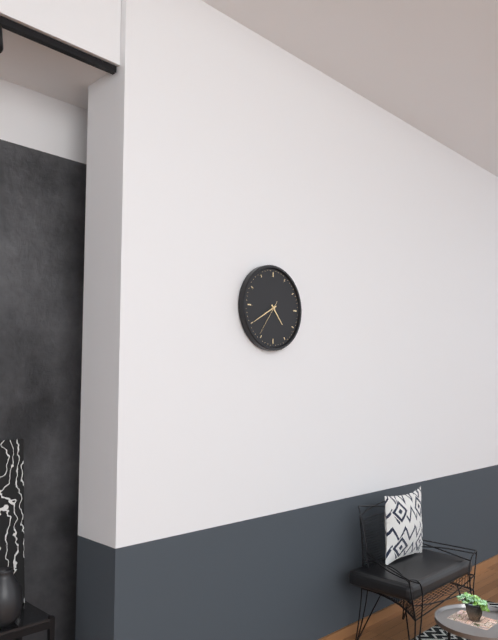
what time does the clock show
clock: 4:40
